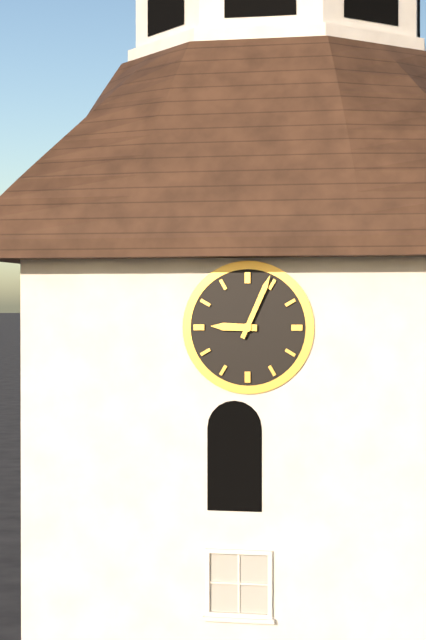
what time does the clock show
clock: 9:04
